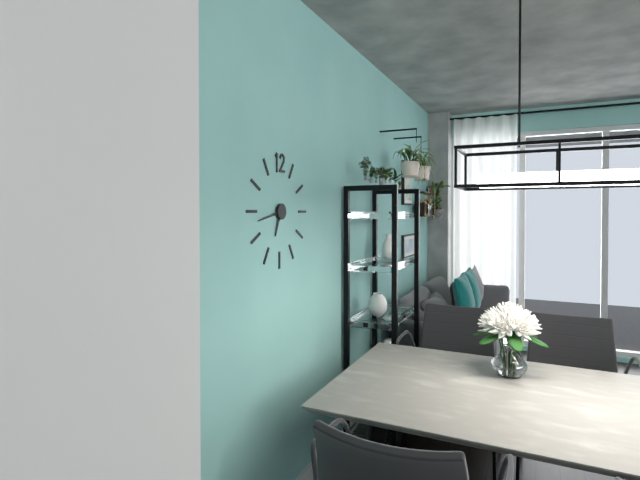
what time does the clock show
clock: 6:43
